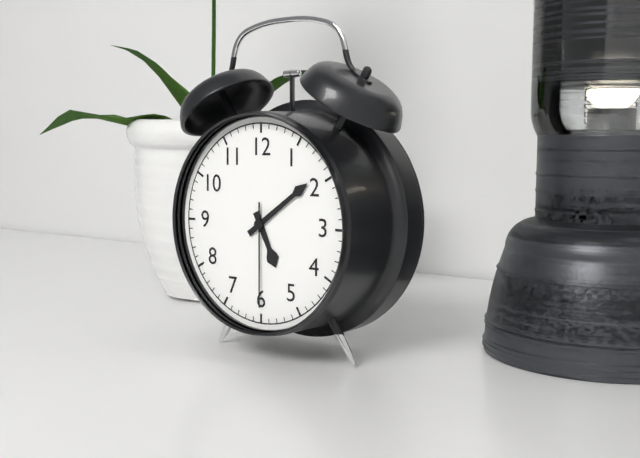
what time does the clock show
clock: 5:09:30
